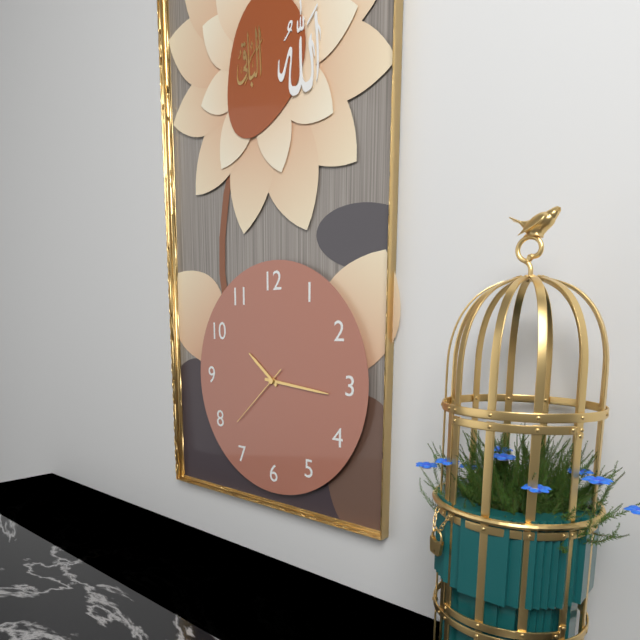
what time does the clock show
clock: 10:16:38
